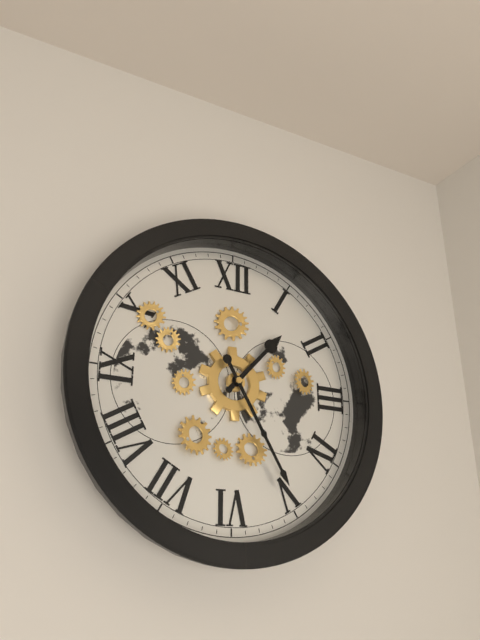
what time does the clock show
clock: 1:25
